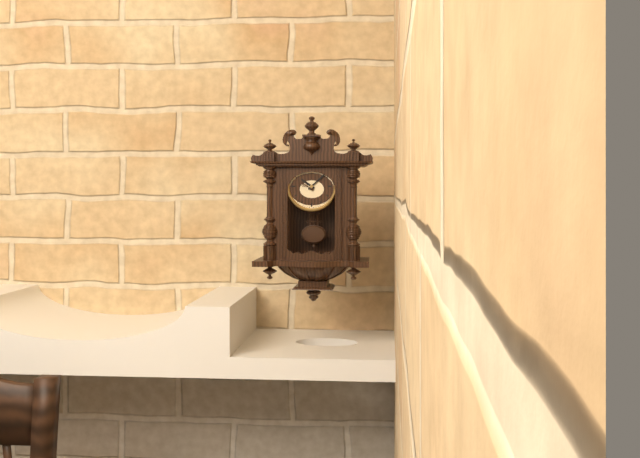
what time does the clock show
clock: 10:08
